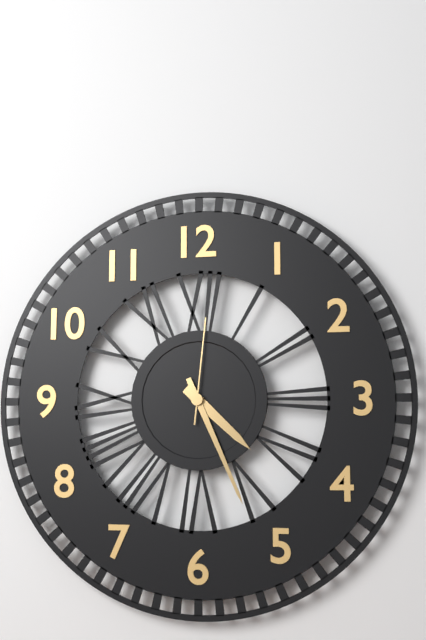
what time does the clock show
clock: 4:26:01
